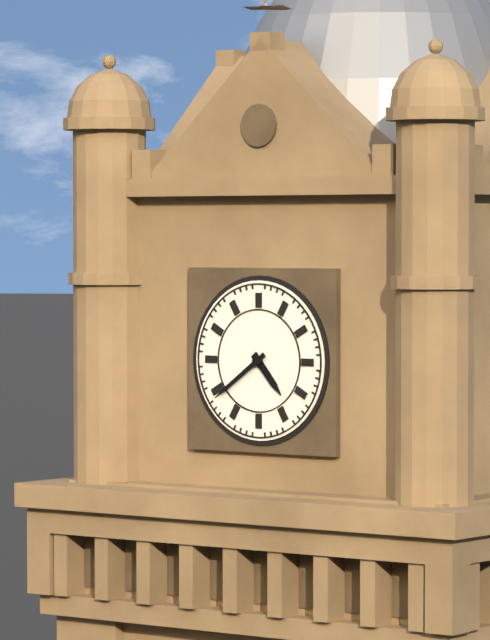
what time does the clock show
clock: 4:39
